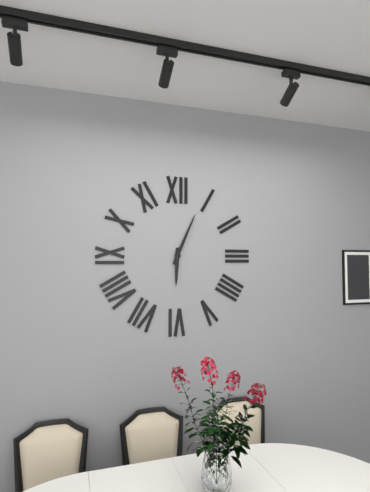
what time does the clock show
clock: 6:04
